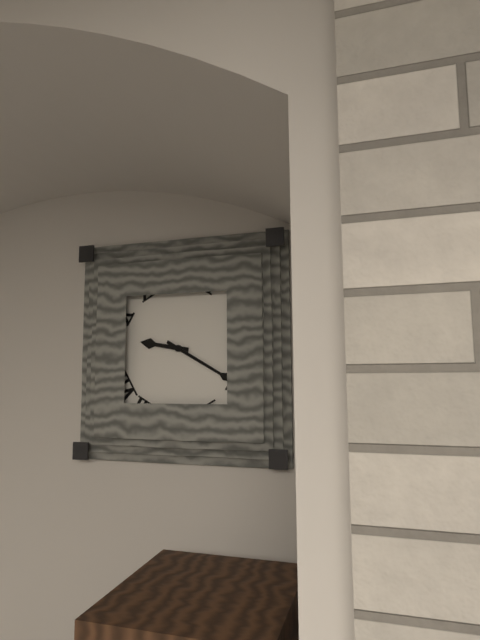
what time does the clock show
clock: 9:20
